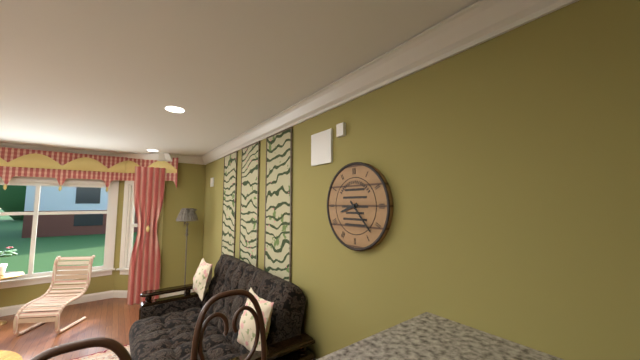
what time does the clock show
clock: 8:23
